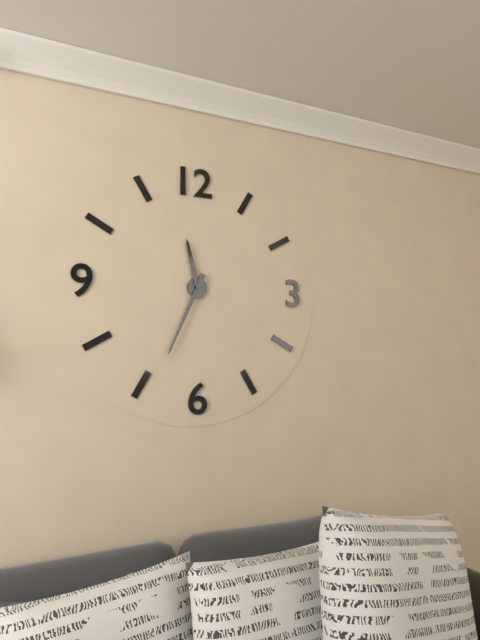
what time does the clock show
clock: 11:34
